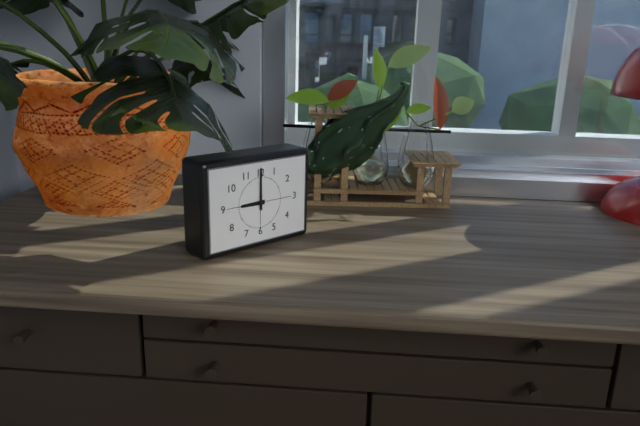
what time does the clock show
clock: 9:00
